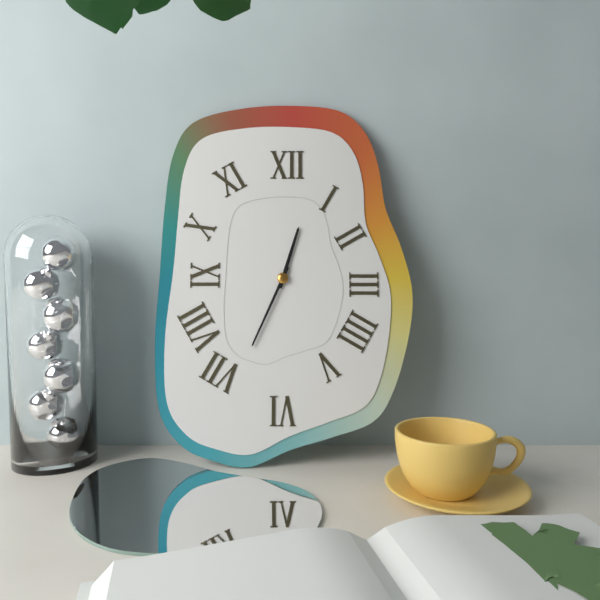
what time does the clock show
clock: 12:34
